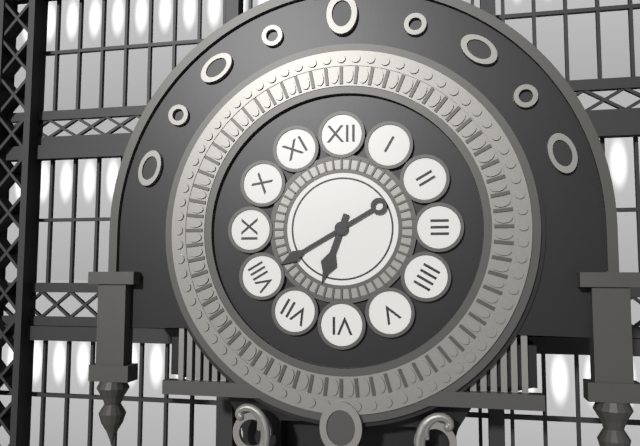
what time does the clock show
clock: 6:40
